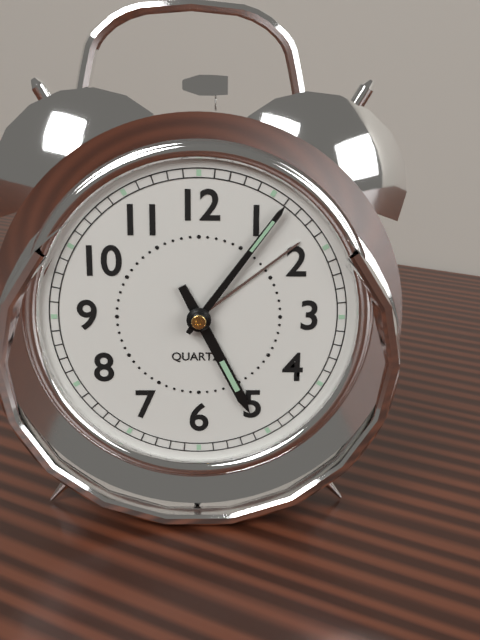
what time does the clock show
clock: 5:06
